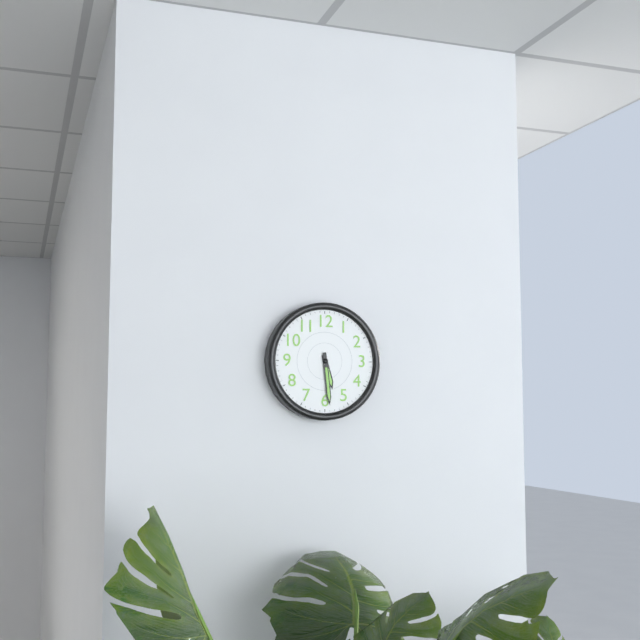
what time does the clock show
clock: 5:29
